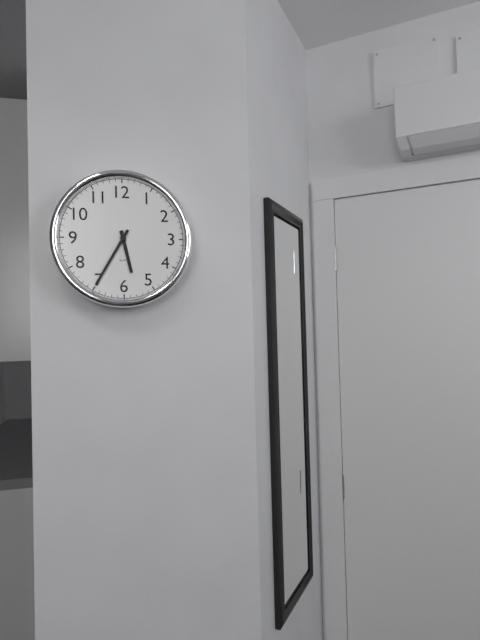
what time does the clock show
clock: 5:35
